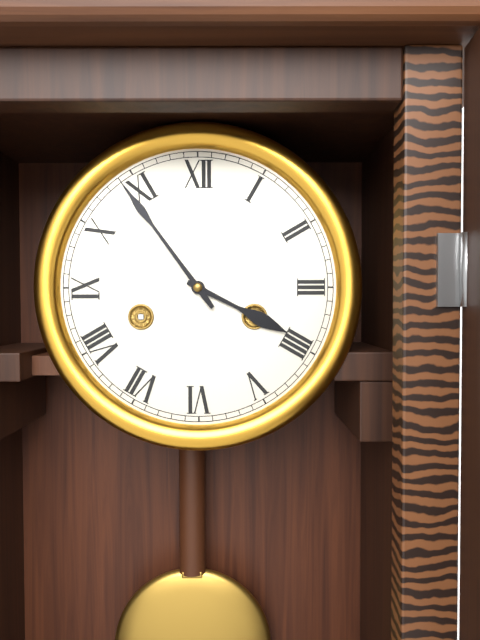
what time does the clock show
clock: 3:54
